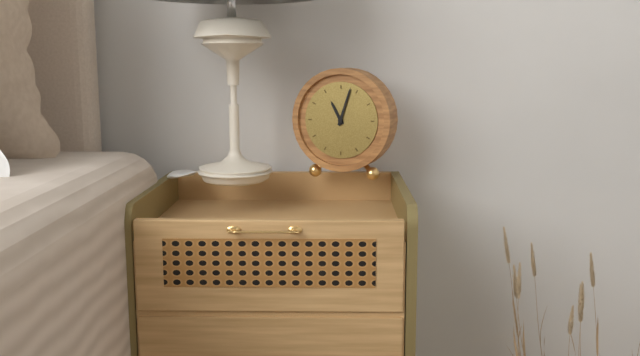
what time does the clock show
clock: 11:03
